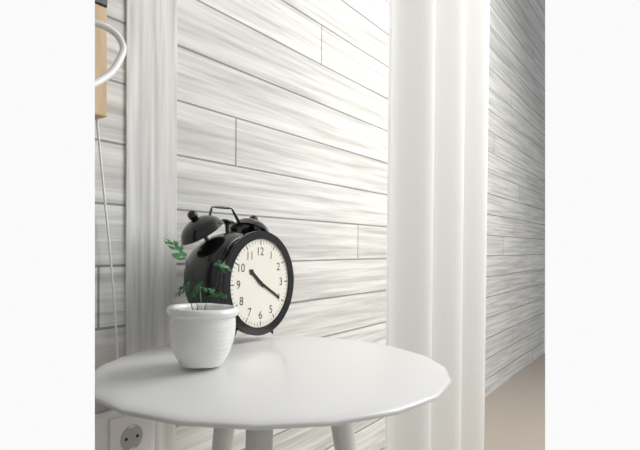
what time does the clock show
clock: 10:20
